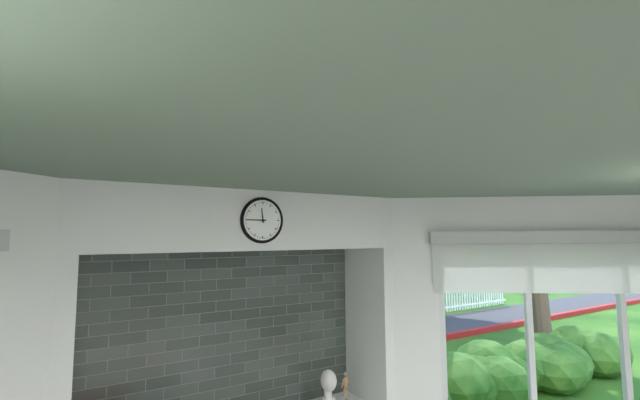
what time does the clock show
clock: 11:45
